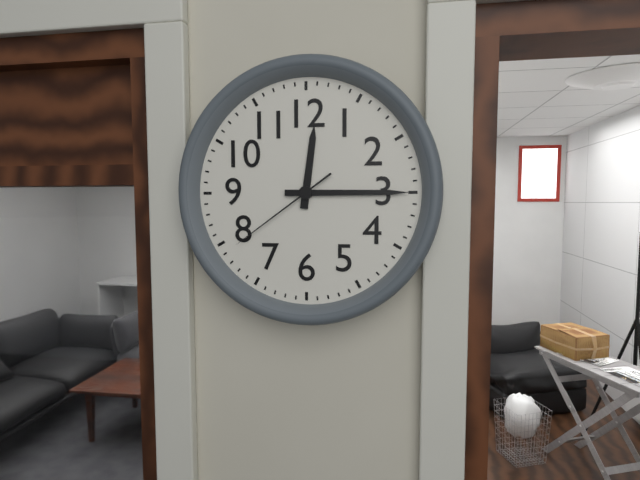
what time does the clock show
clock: 12:15:39
